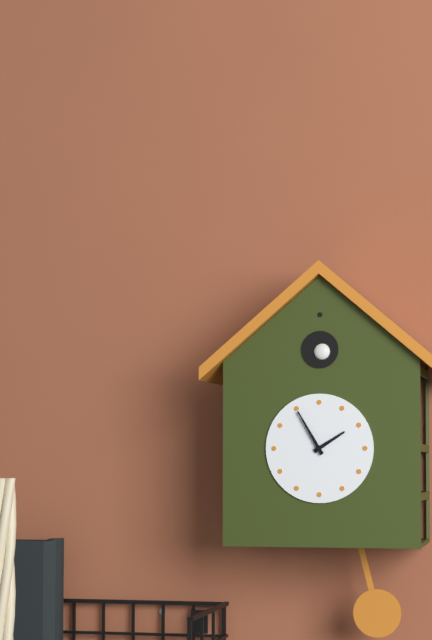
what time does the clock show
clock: 1:55
